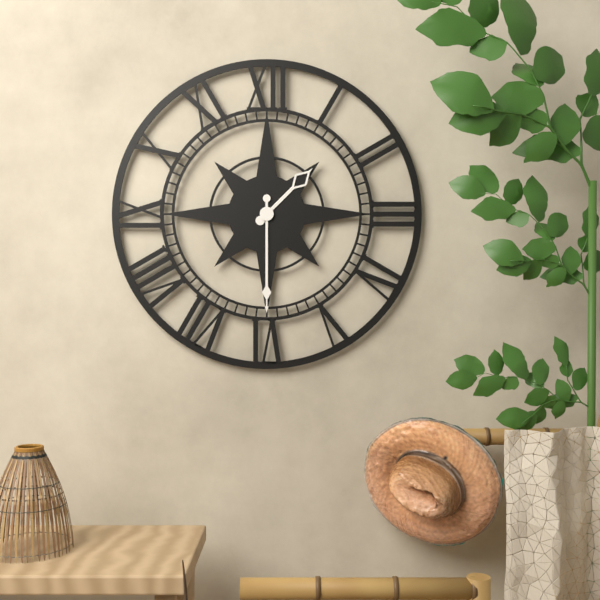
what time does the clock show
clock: 1:30
